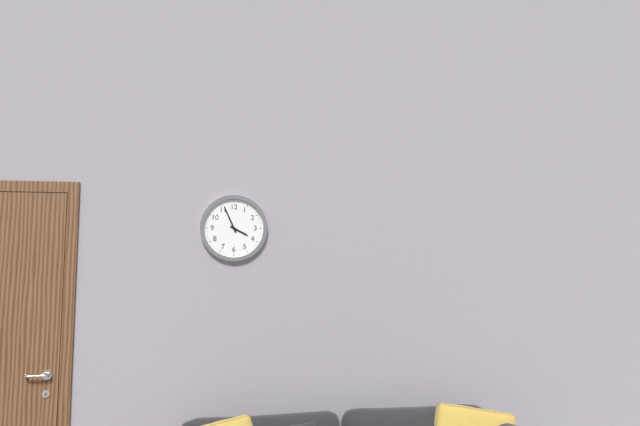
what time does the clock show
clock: 3:56
